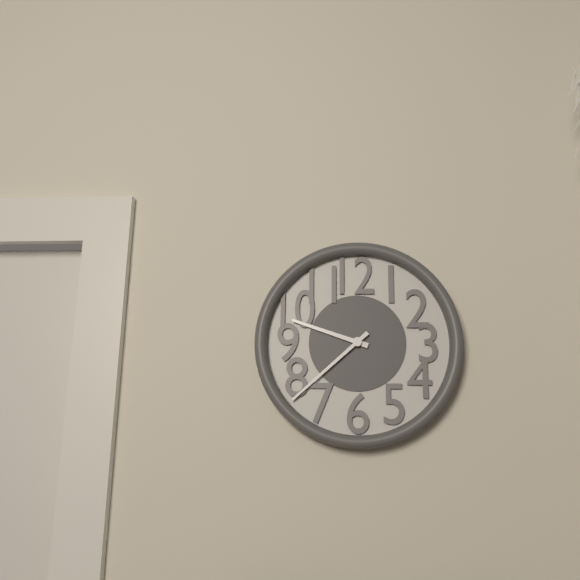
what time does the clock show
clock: 9:38
